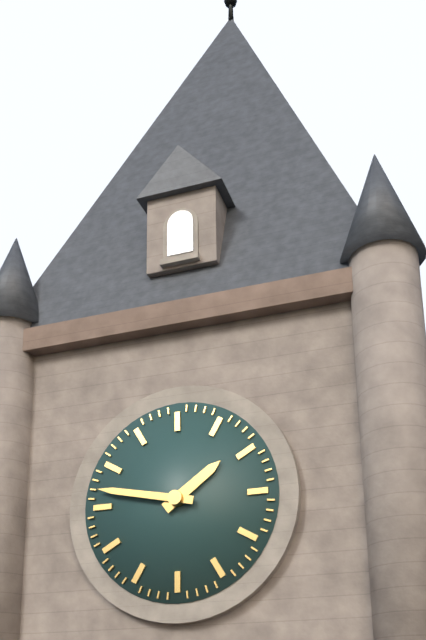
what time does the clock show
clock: 1:47
